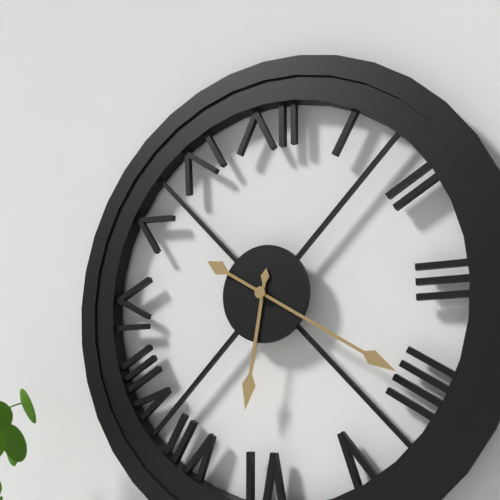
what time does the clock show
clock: 6:20
